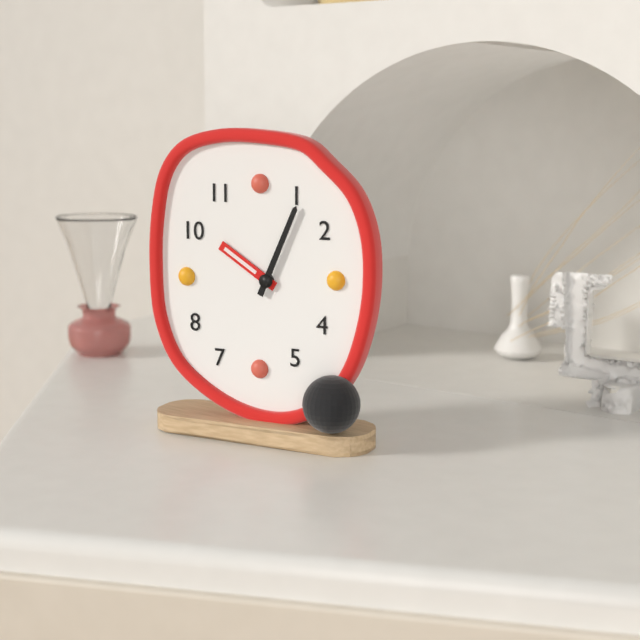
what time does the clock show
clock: 10:04
